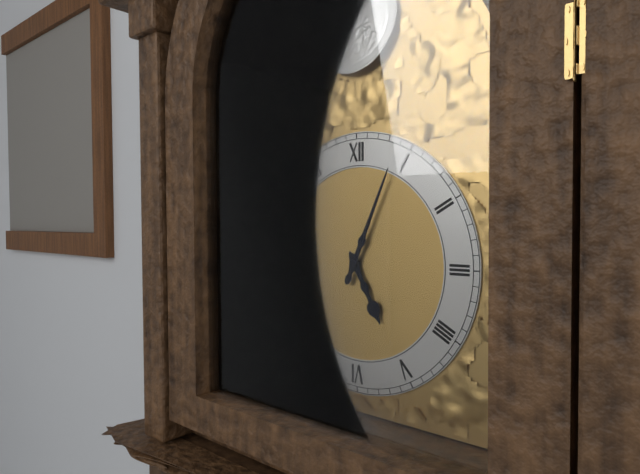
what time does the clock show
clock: 5:04
